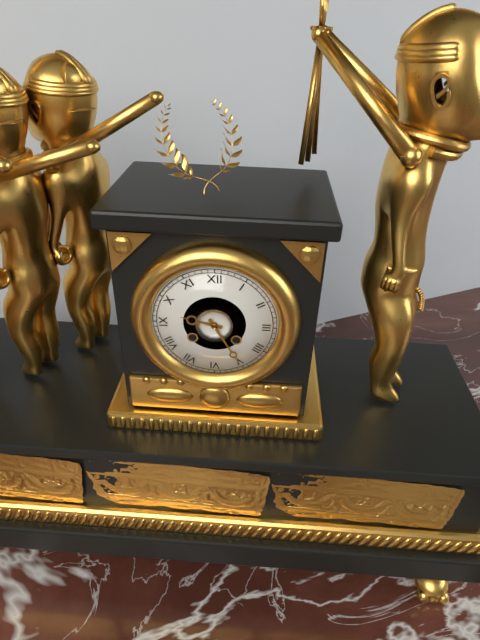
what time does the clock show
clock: 9:25
